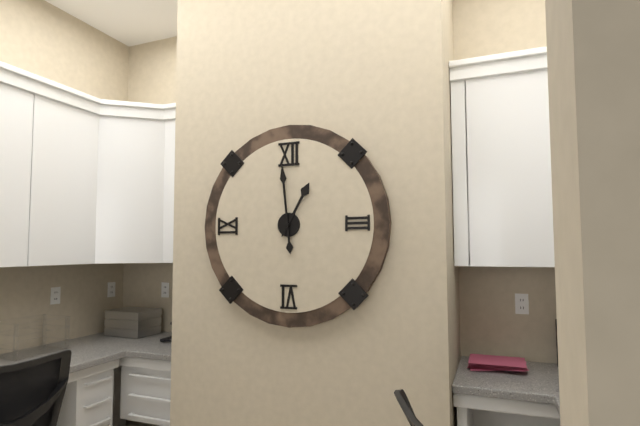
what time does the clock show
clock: 12:59
